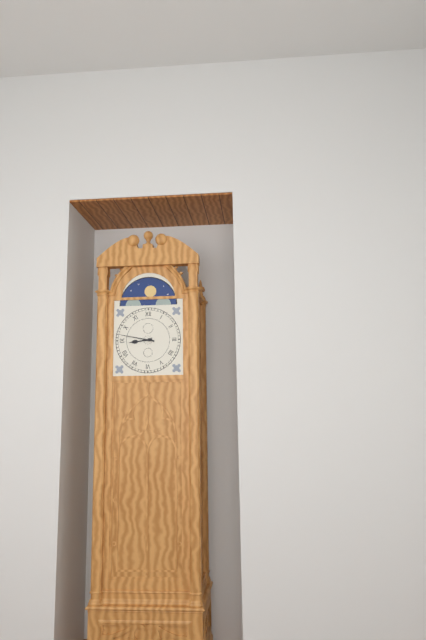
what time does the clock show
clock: 8:47
